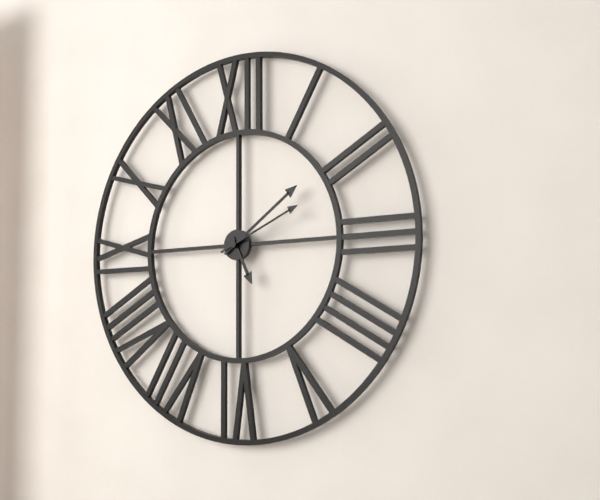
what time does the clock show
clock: 5:09:11
